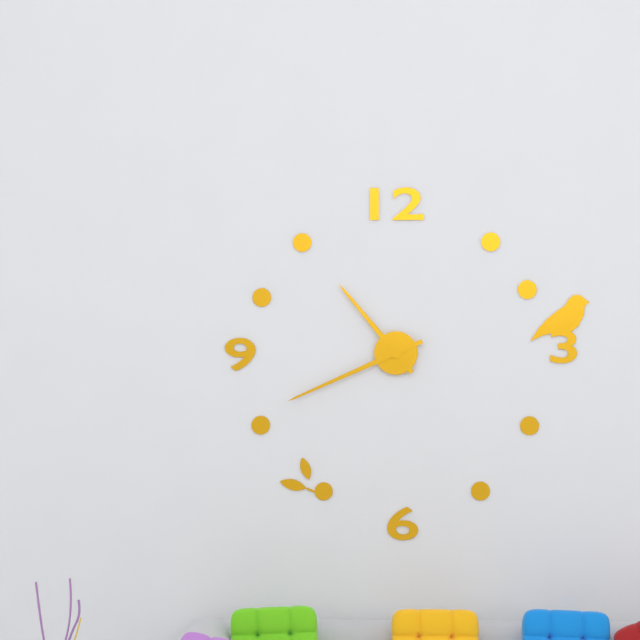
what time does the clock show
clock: 10:41
